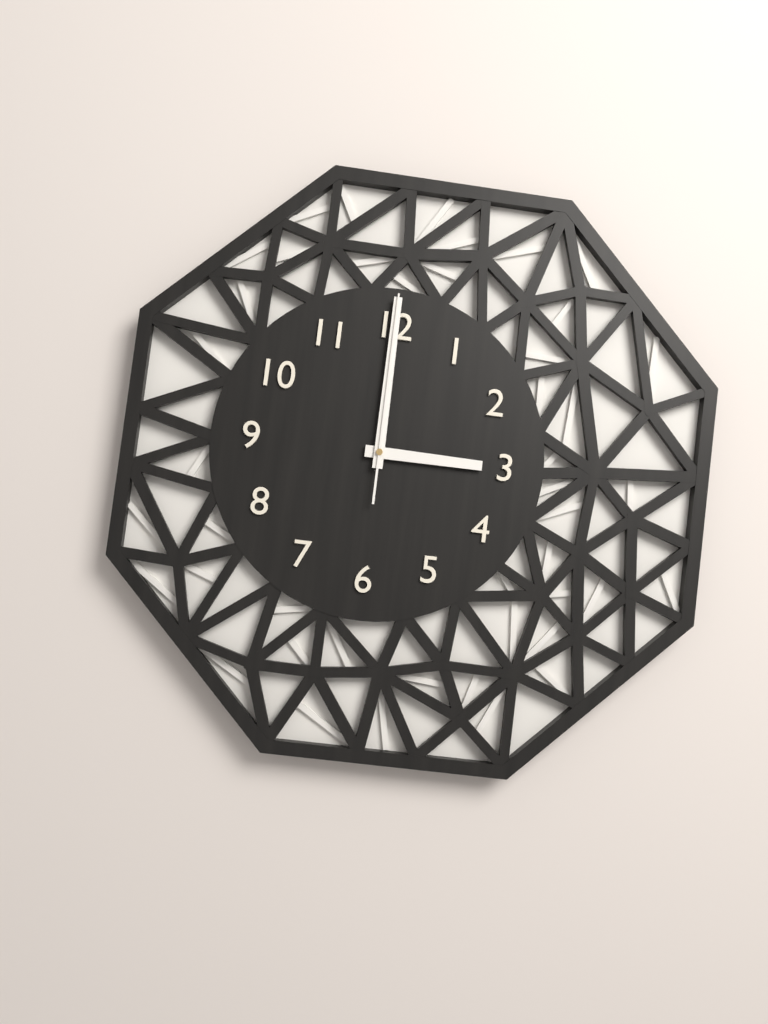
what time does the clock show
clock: 3:00:00
